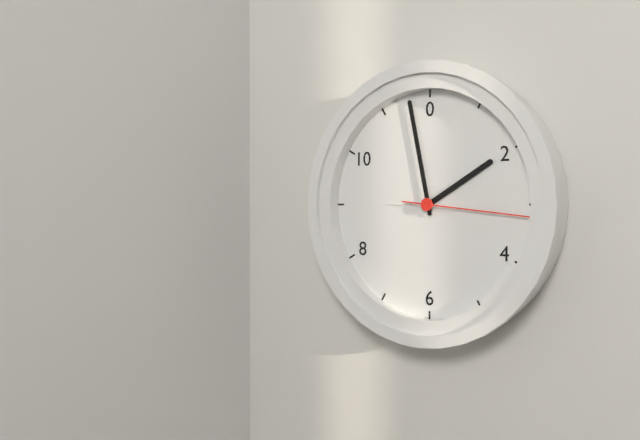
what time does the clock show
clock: 1:58:16
